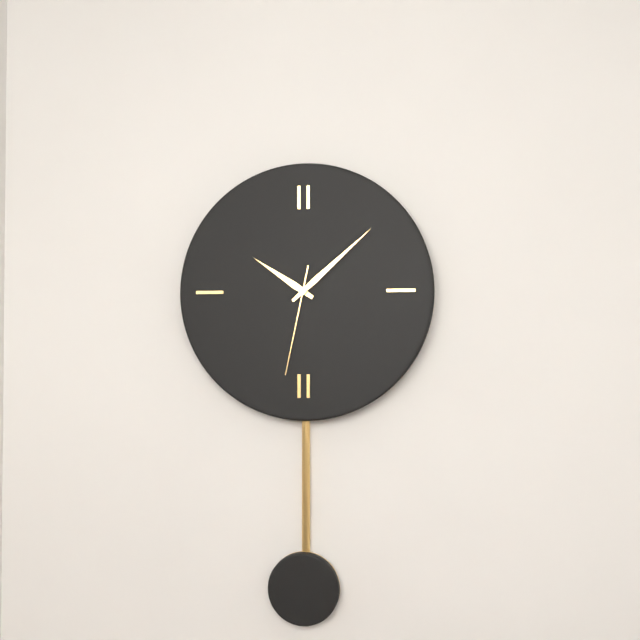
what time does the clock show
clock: 10:08:32
